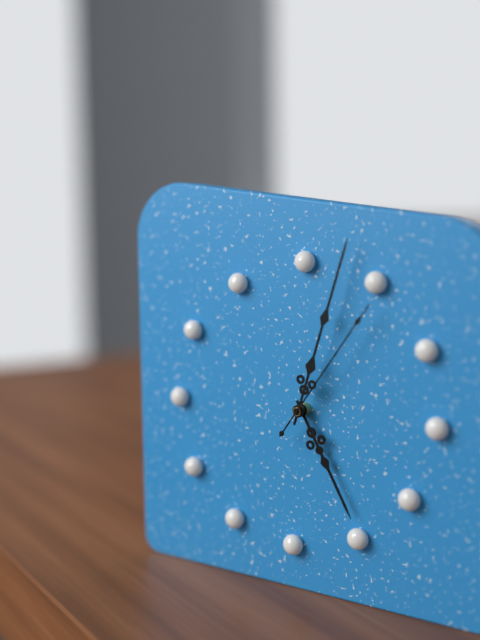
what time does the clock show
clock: 5:03:06
